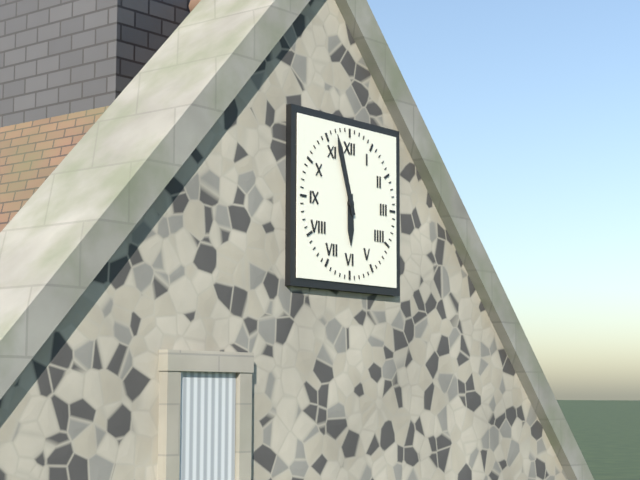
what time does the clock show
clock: 5:57
